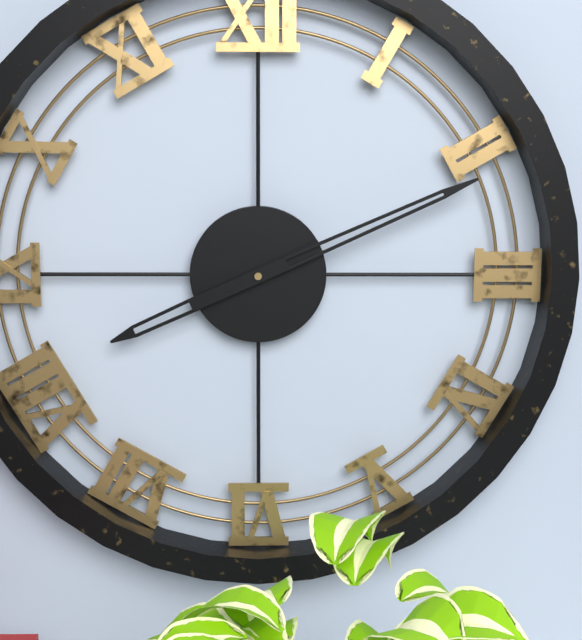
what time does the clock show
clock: 8:11
